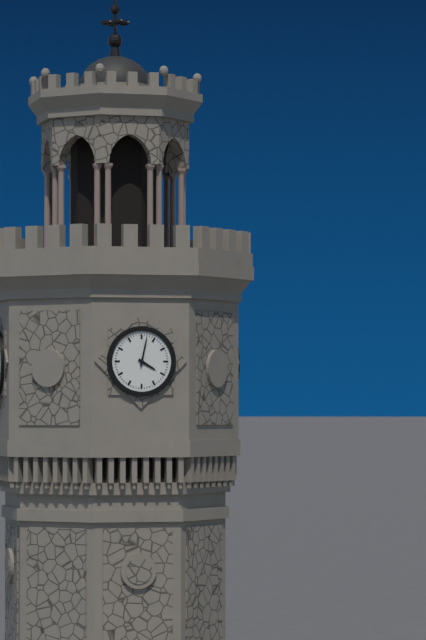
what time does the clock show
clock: 4:02
